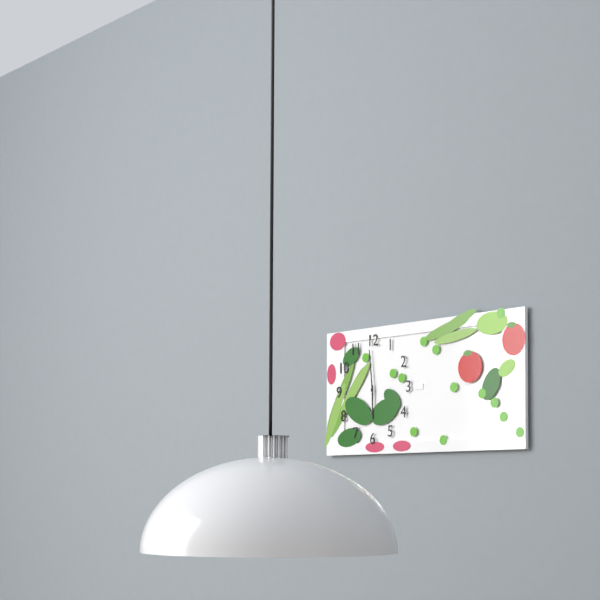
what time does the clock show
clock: 5:59
